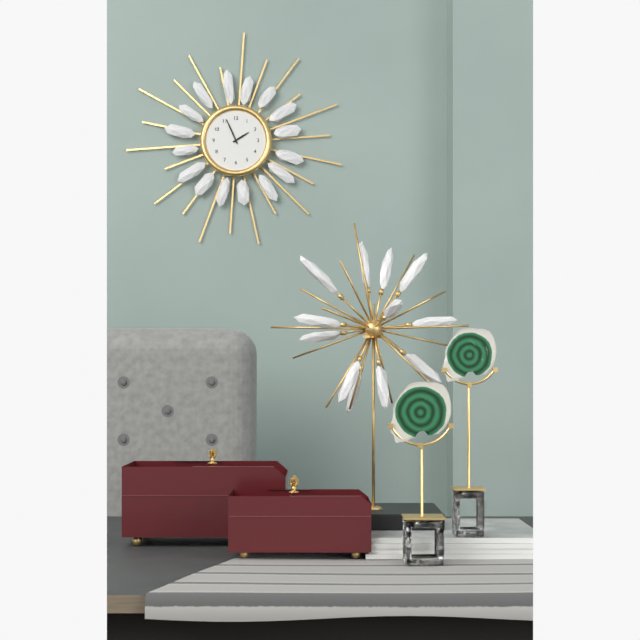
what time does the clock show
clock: 1:56
